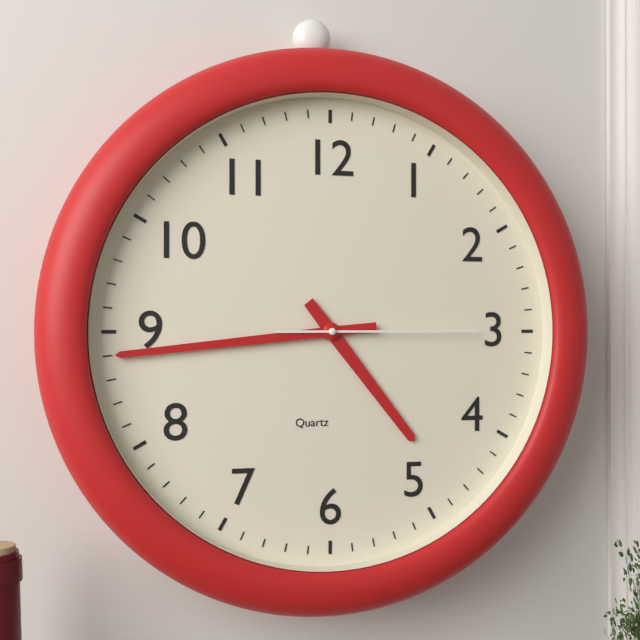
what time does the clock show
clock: 4:44:15
